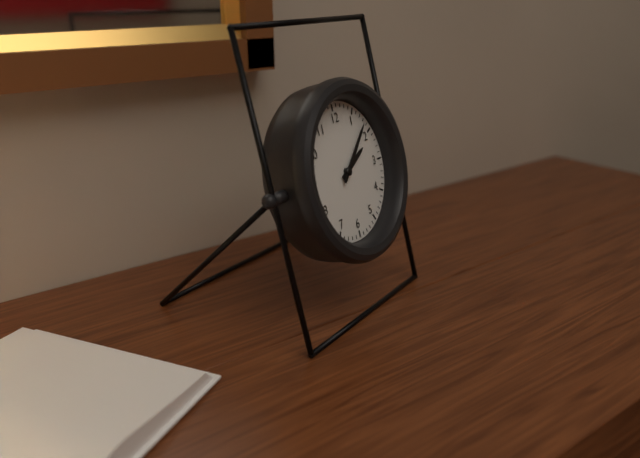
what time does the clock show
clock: 2:08
